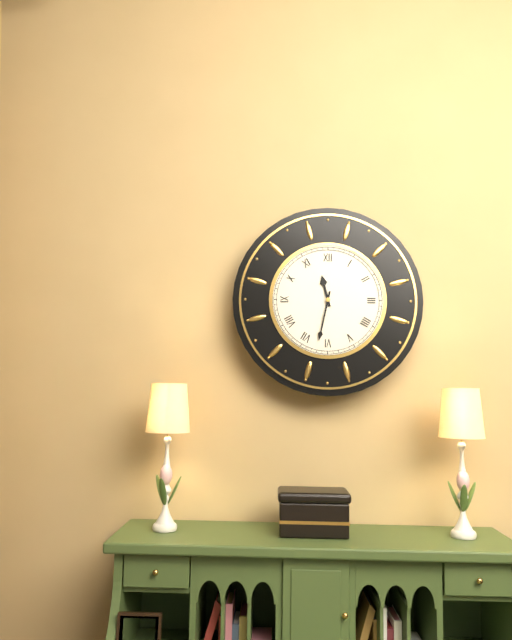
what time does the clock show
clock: 11:32
